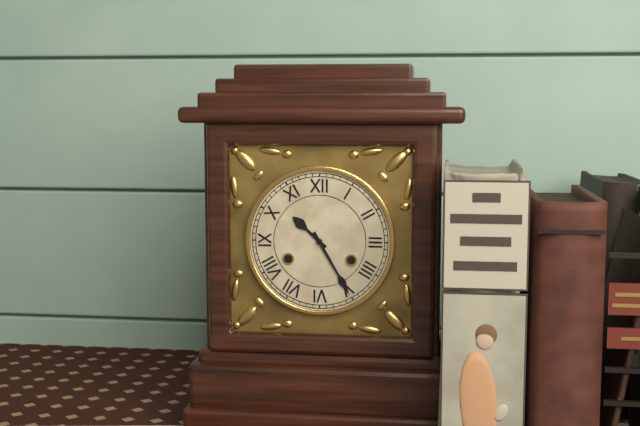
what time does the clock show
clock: 10:25
